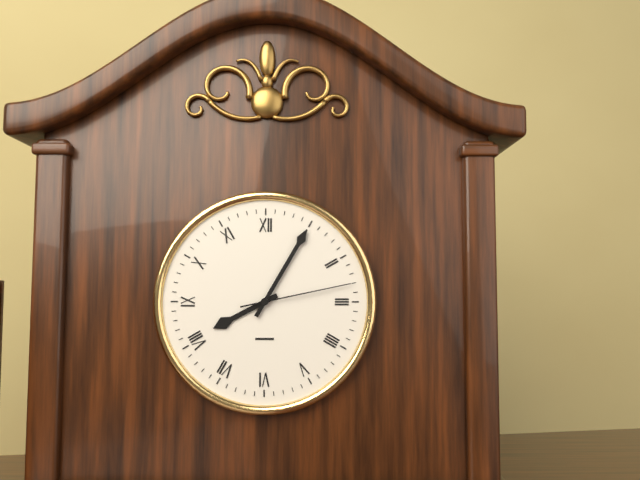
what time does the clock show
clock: 8:05:13
